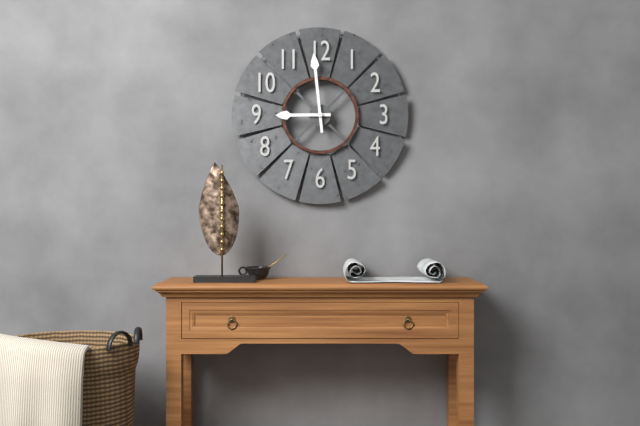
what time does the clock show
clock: 8:59
